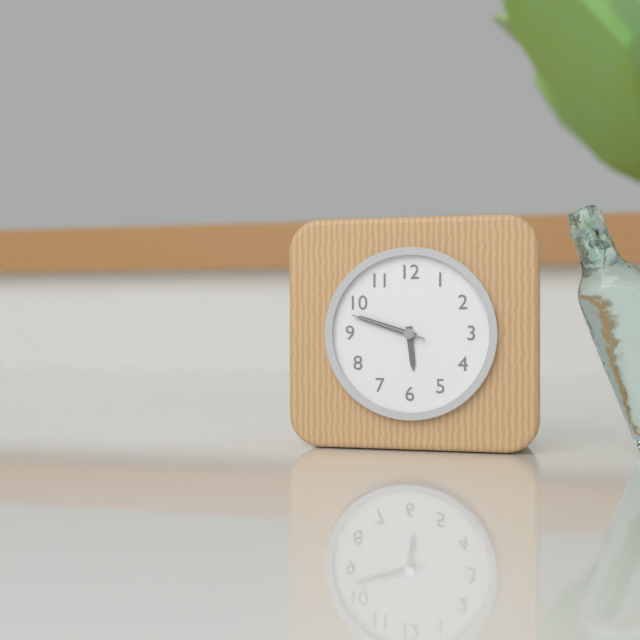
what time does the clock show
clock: 5:48:48
